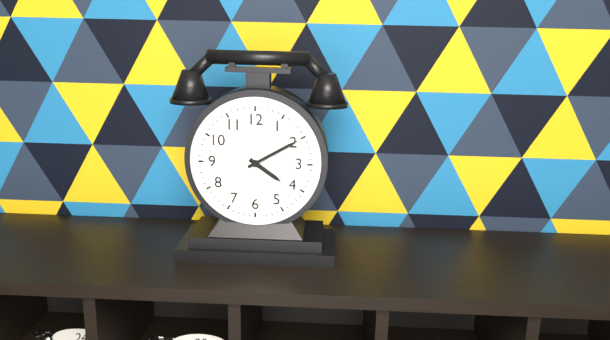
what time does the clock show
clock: 4:10
